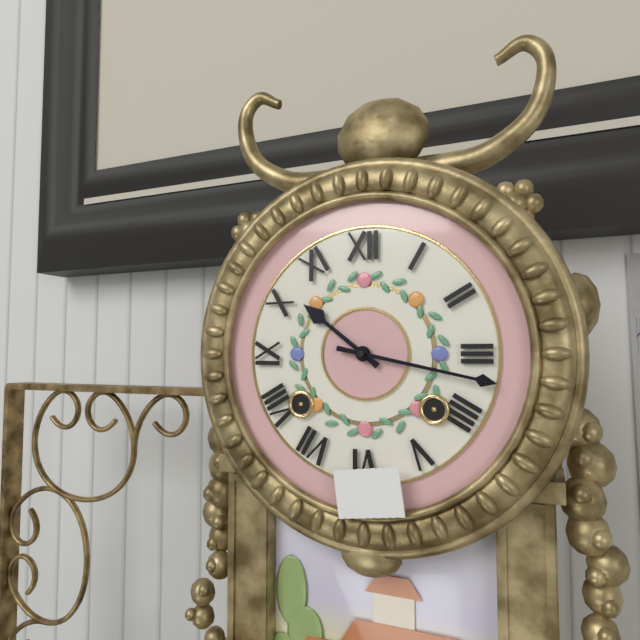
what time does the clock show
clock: 10:17
